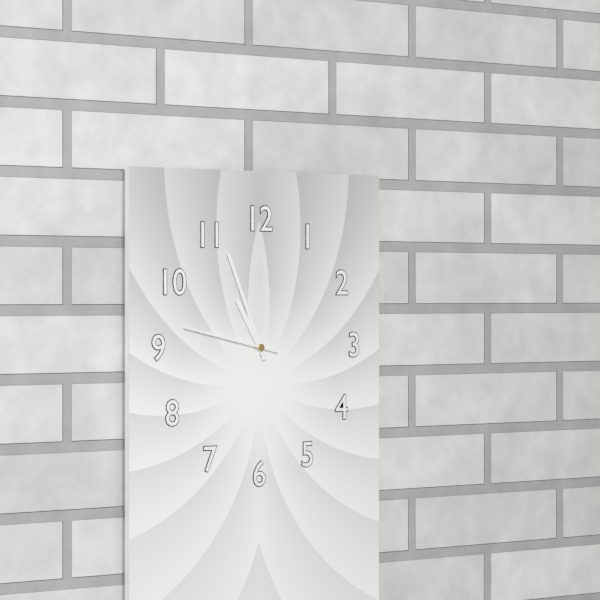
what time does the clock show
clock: 10:56:47
